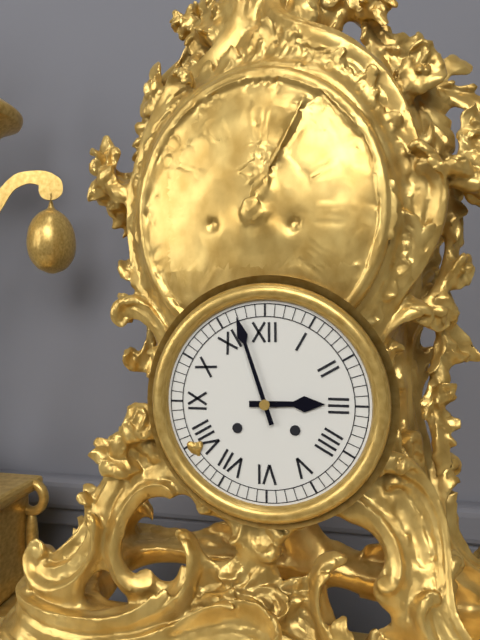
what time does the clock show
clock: 2:57
